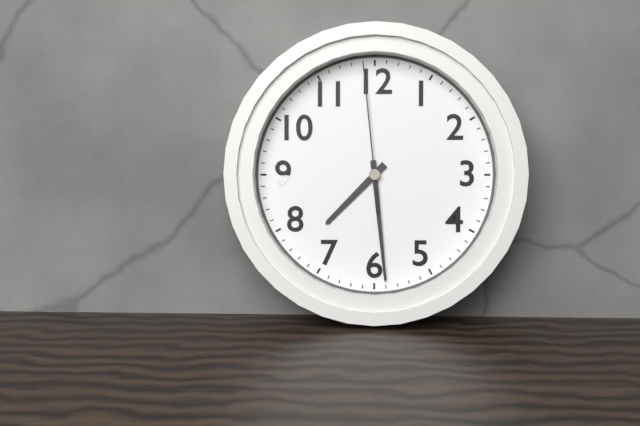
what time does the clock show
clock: 7:29:59
